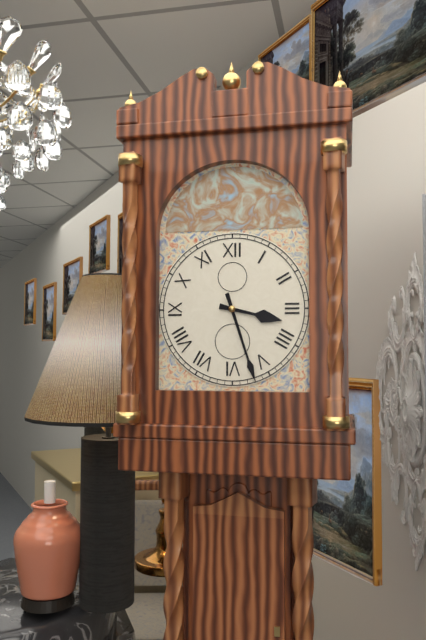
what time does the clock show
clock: 3:27
